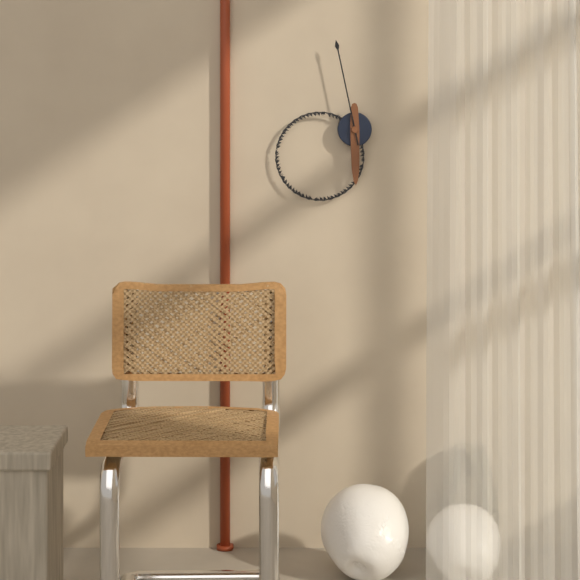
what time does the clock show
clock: 5:58
